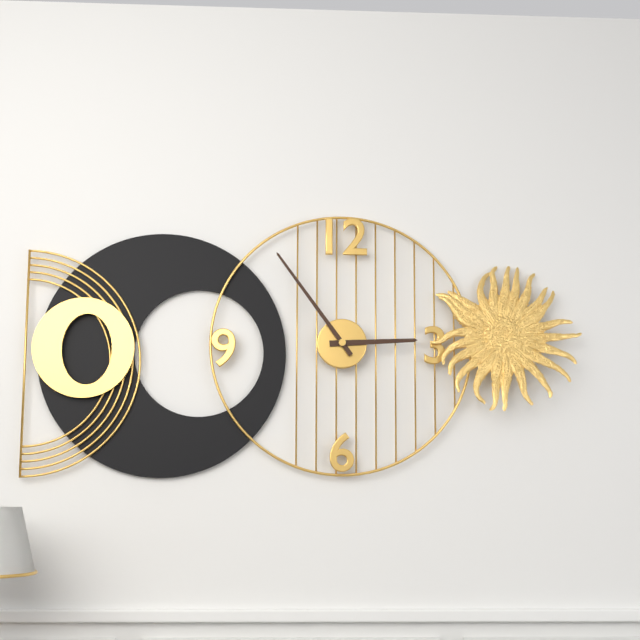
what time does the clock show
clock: 2:54
